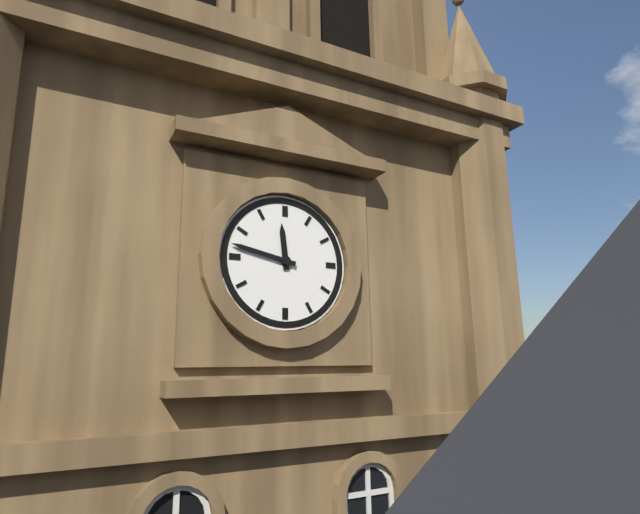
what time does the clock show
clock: 11:47
